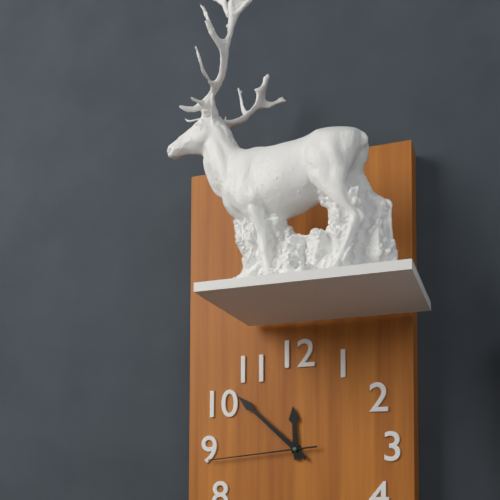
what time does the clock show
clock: 11:52:44
